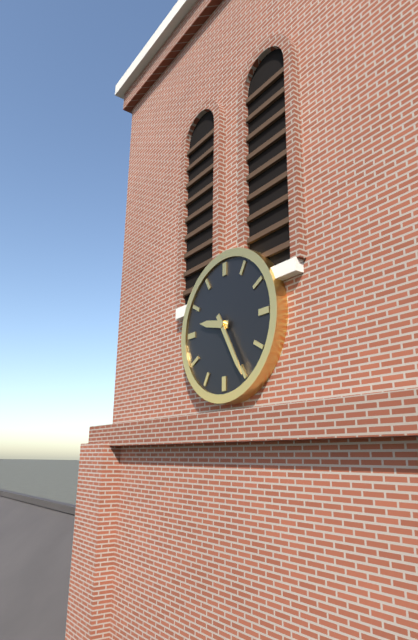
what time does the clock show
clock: 9:25
